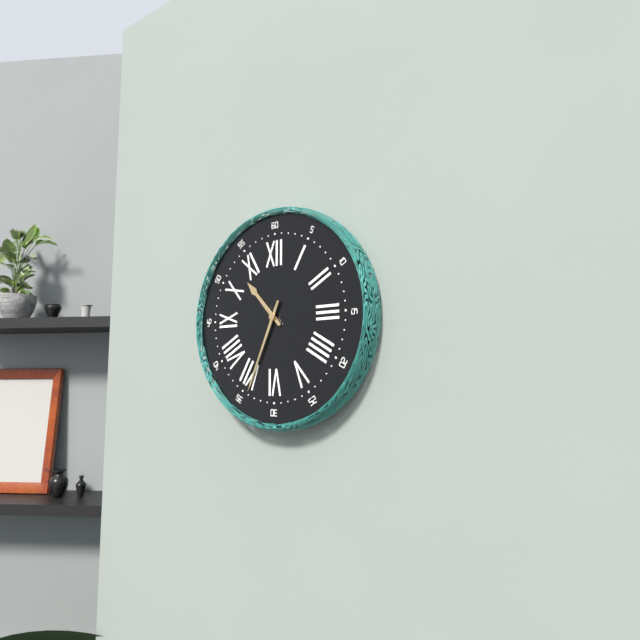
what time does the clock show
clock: 10:34
